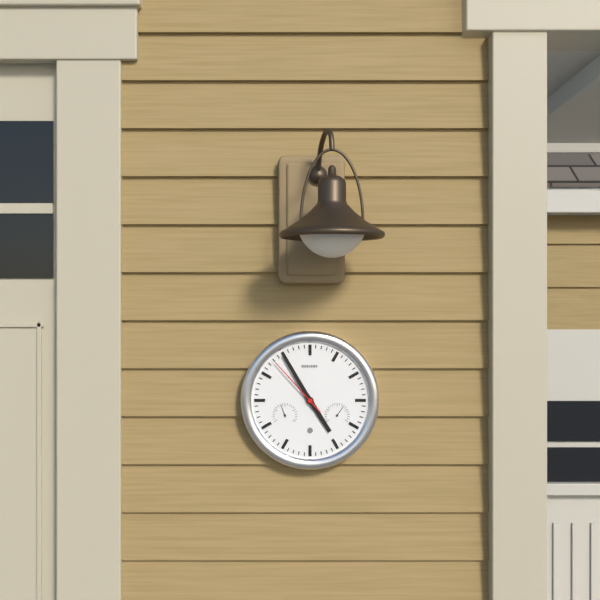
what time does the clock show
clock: 4:55:53
